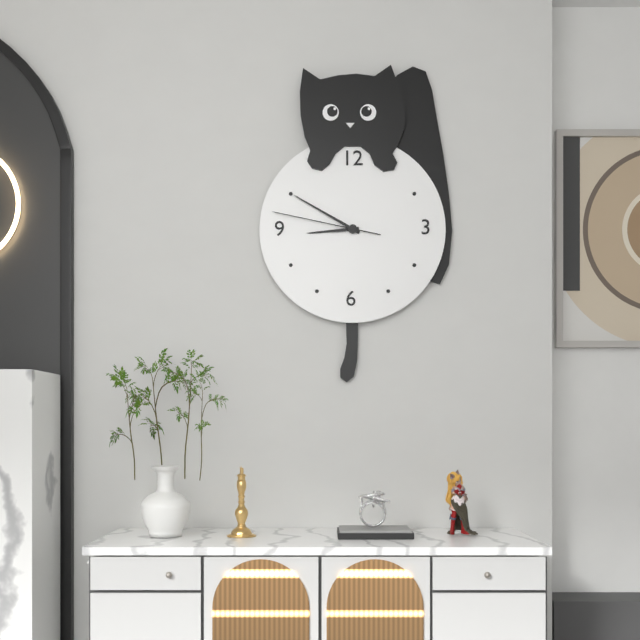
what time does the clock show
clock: 8:50:47
